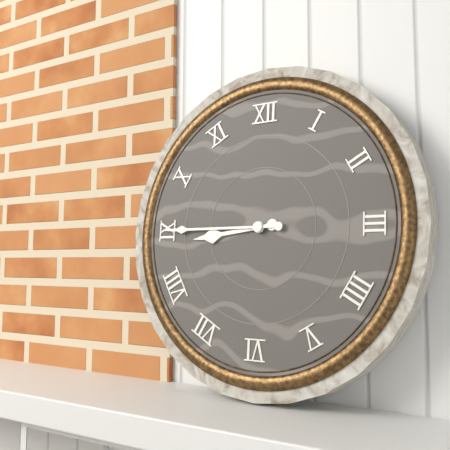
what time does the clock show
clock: 8:45
